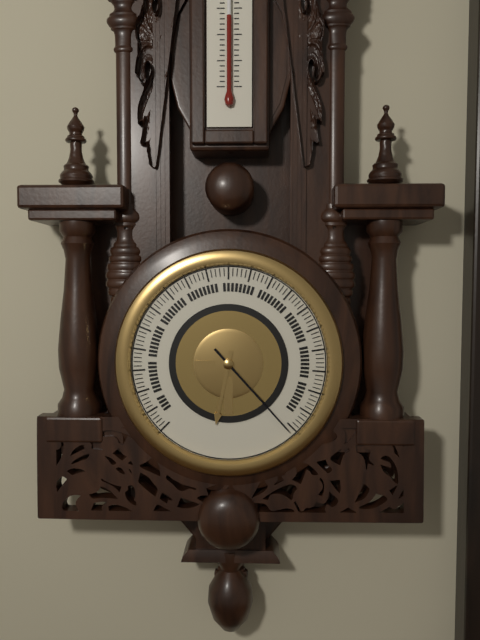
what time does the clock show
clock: 6:23
